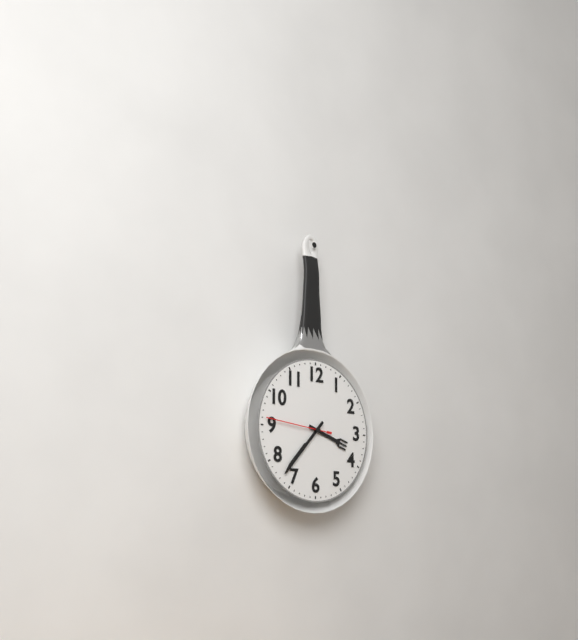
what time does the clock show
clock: 3:37:46
